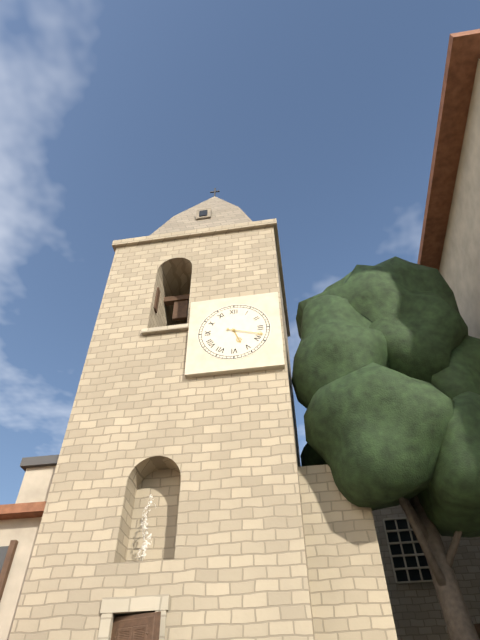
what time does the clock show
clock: 5:18
